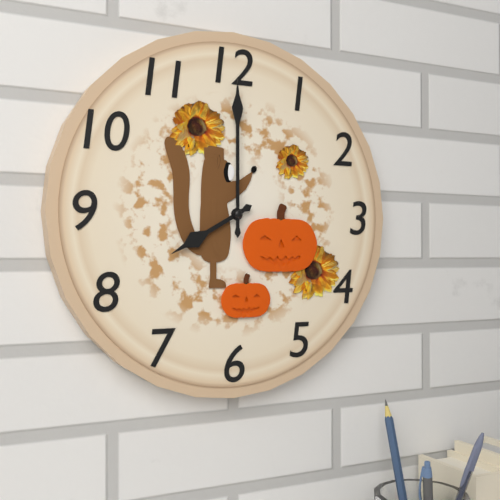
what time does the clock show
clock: 8:00
